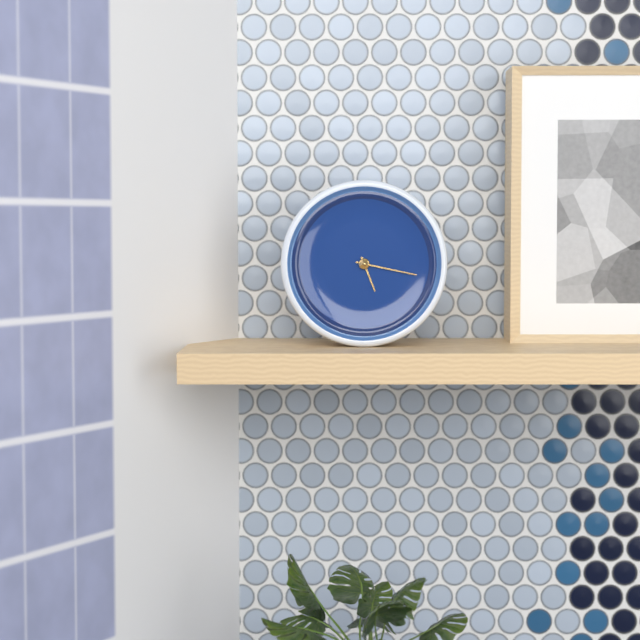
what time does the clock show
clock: 5:17
